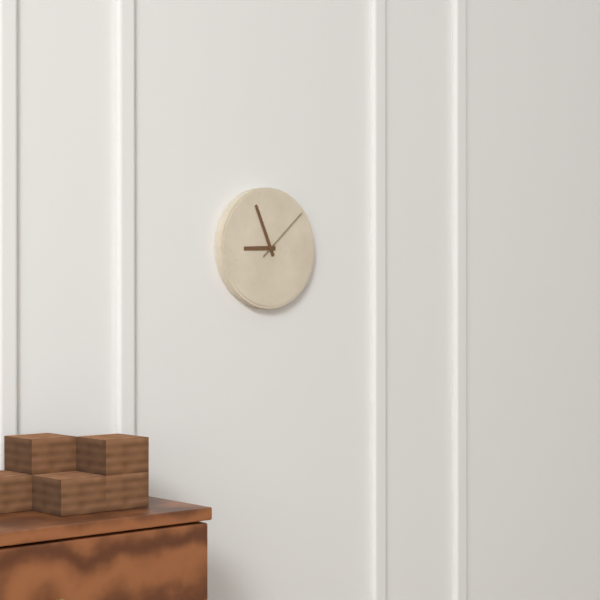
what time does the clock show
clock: 8:56:08
